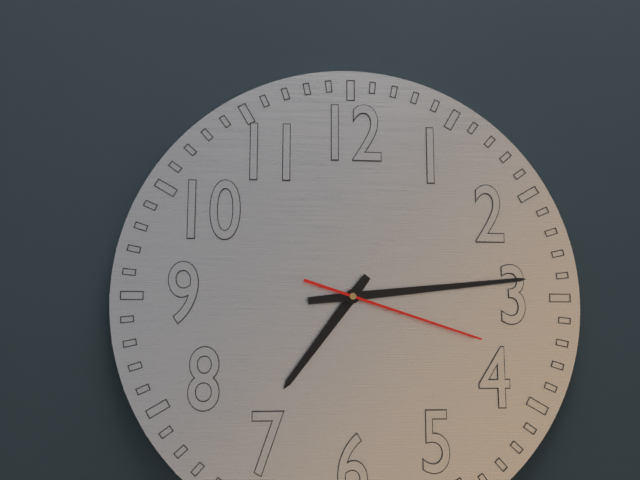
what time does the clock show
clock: 7:14:18
